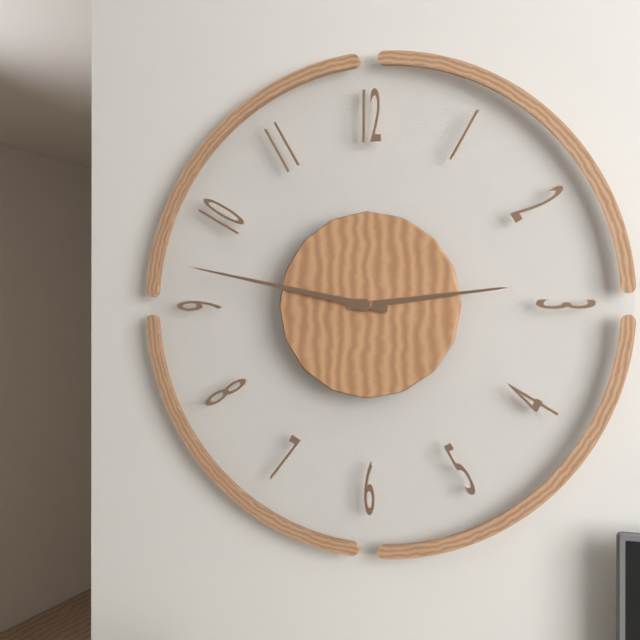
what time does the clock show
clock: 2:47
